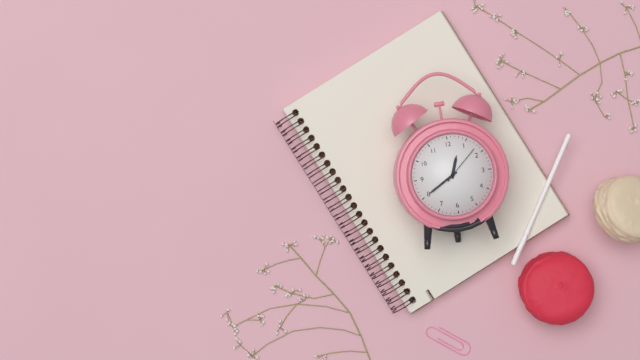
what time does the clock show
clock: 12:40
